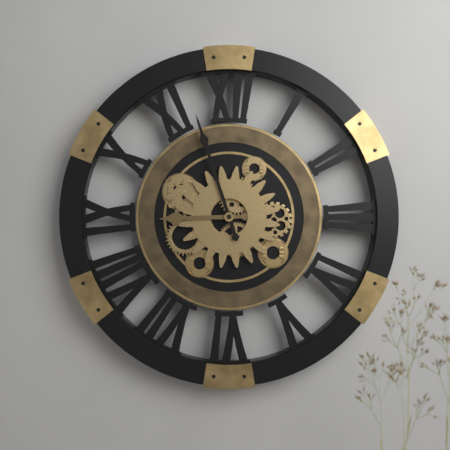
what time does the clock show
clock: 8:57
